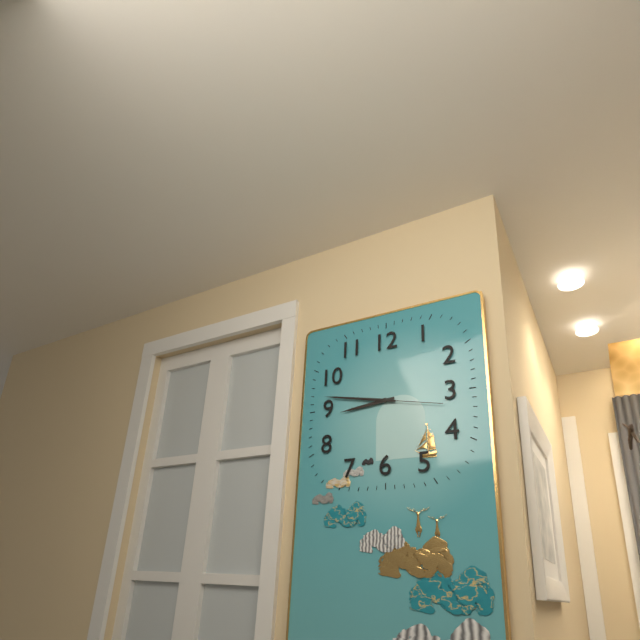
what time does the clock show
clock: 8:47:17
